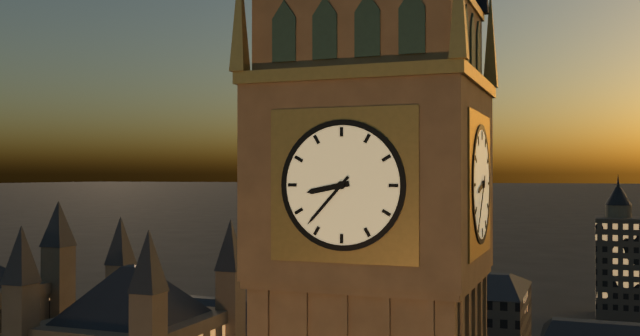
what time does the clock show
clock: 8:37
